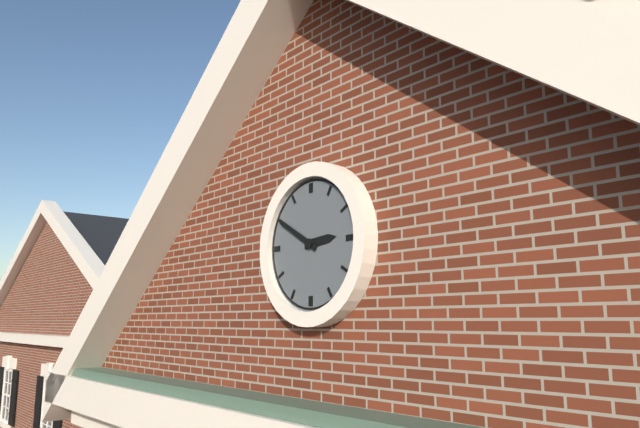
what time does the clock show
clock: 2:50
